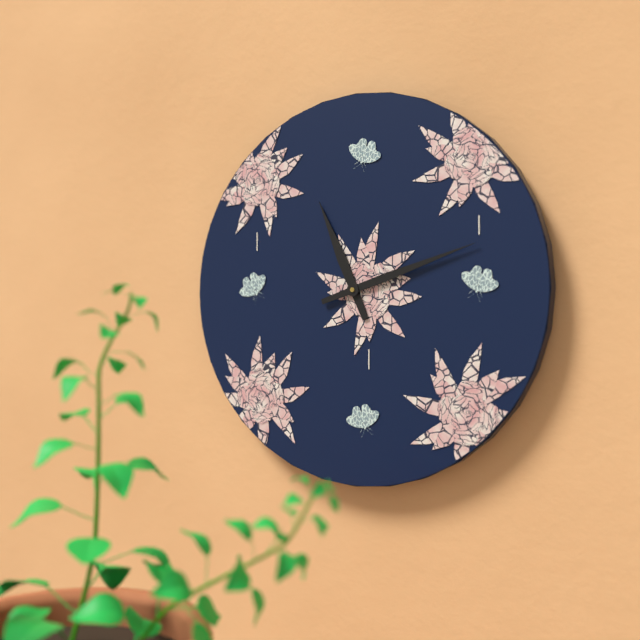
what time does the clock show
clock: 11:12
